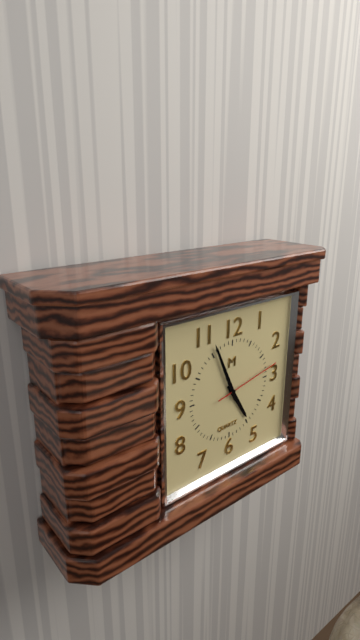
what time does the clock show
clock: 4:56:13
